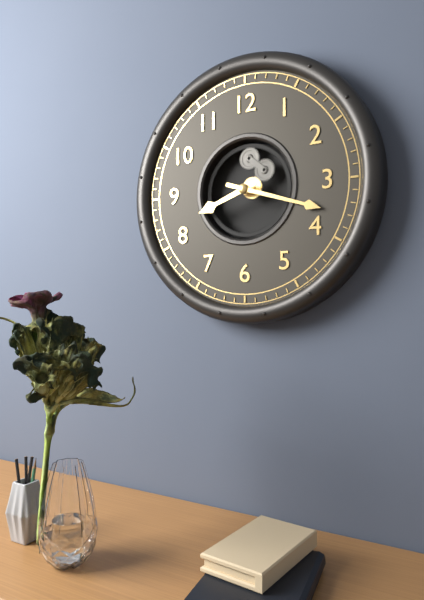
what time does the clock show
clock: 8:18
